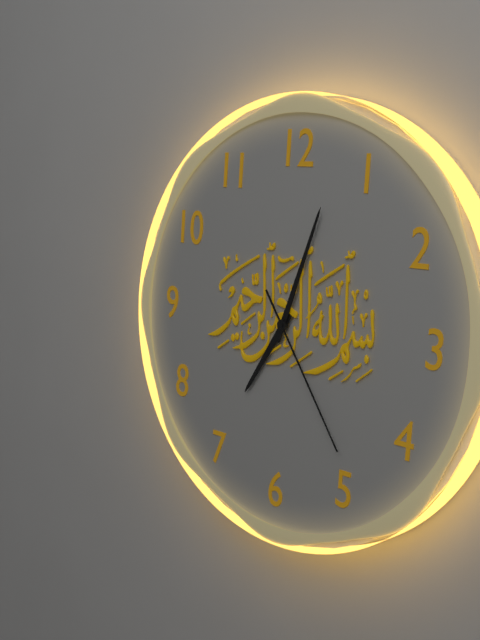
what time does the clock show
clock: 7:03:24
